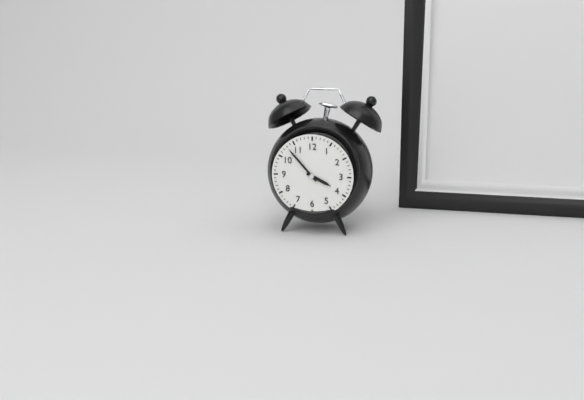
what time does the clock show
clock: 3:53
